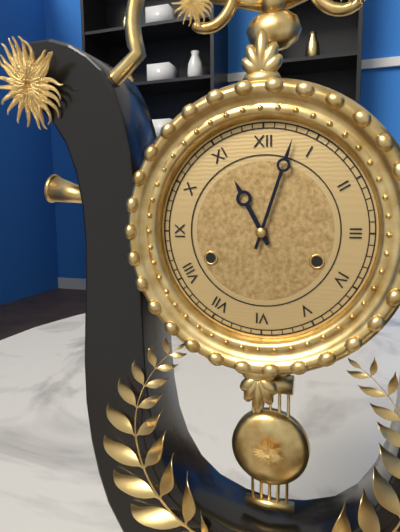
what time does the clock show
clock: 11:03
